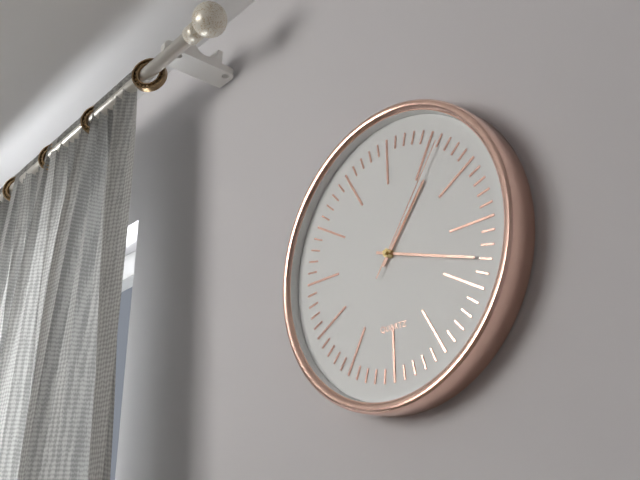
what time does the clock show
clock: 1:18:06
